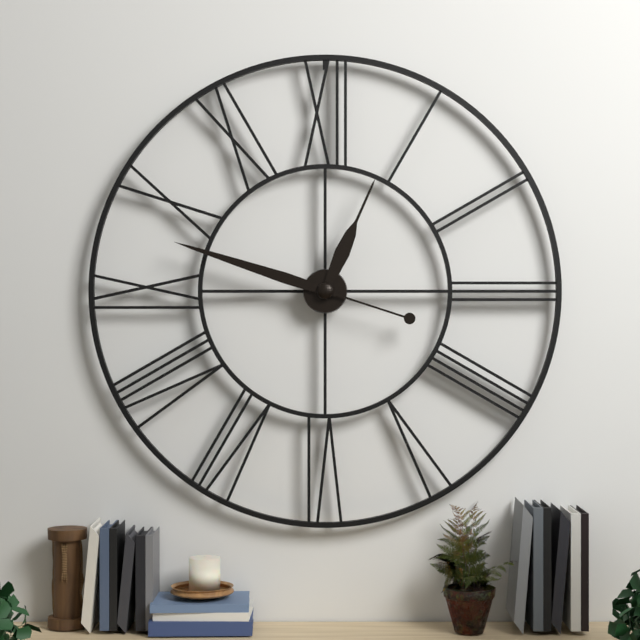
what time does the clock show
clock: 12:48
